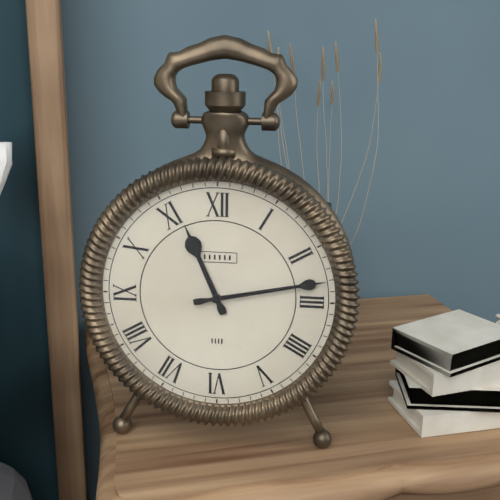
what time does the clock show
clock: 11:13
